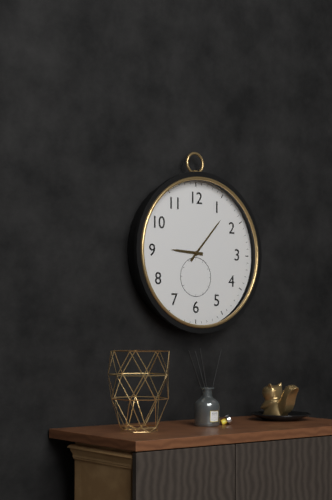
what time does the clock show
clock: 9:07
